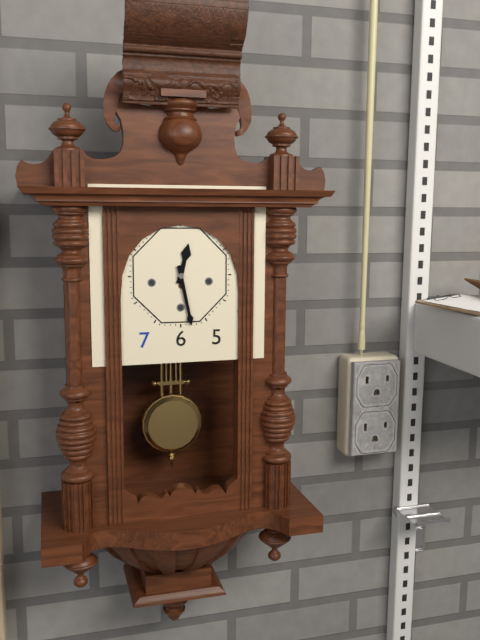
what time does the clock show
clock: 12:28
